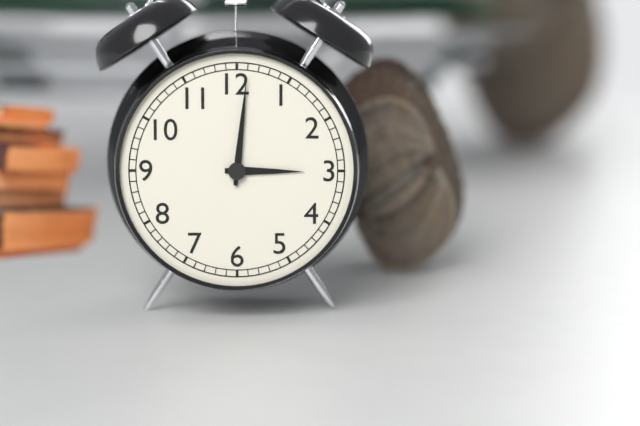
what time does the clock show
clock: 3:01
